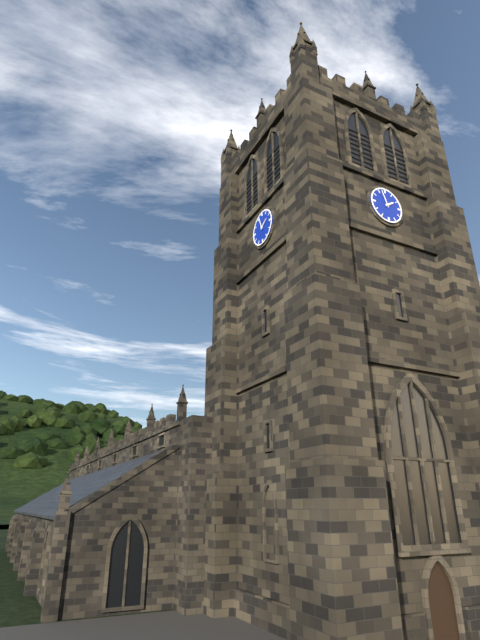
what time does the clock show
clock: 1:57
